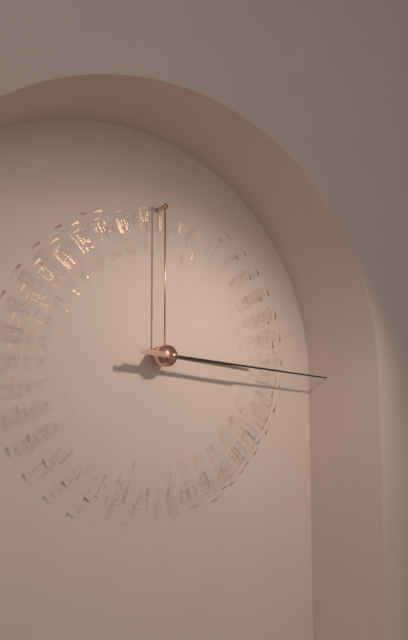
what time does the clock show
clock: 3:16
